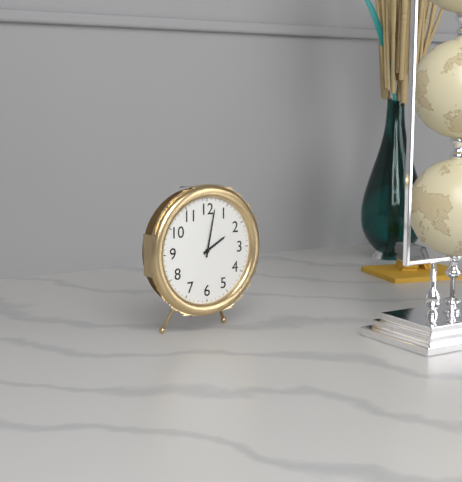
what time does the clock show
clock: 2:02
